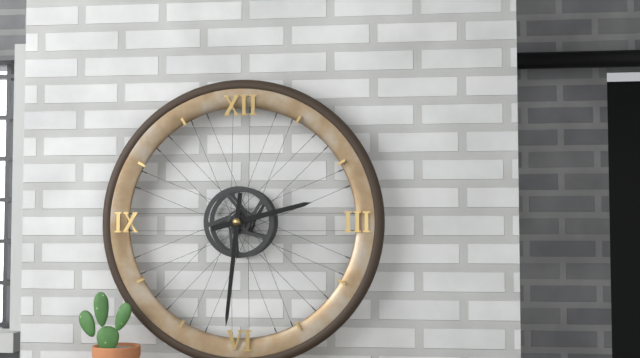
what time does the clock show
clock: 2:31
